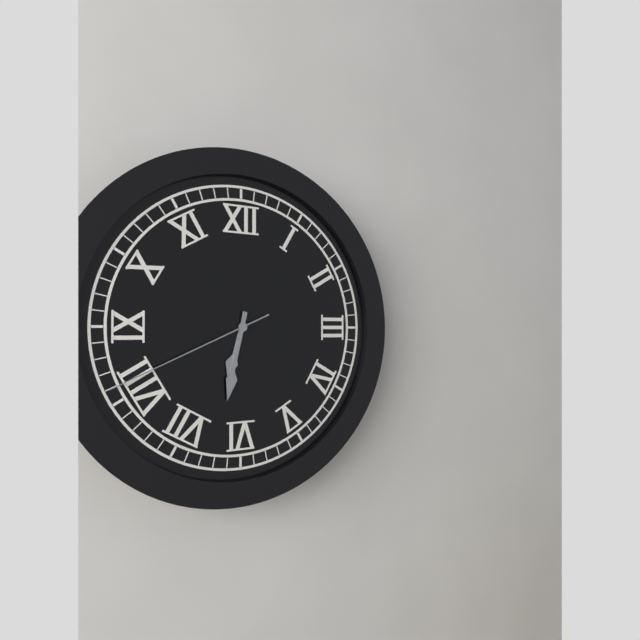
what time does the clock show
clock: 6:32:41
